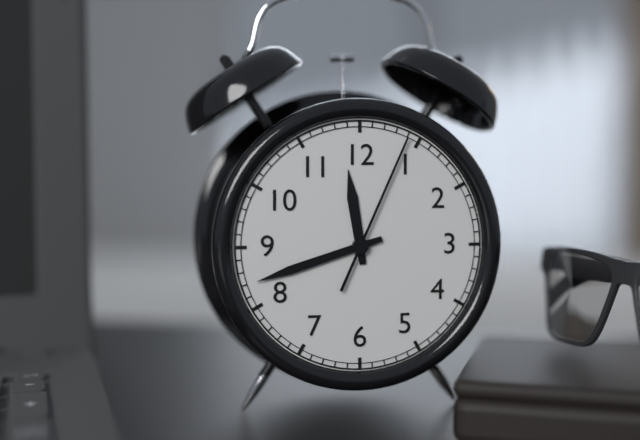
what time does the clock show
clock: 11:42:04
